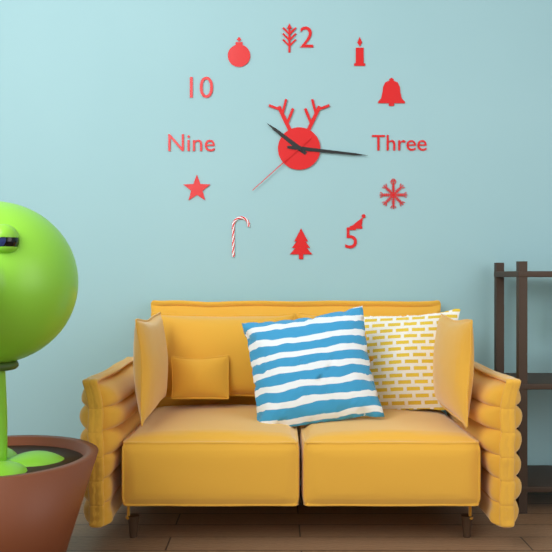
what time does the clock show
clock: 10:16:38
